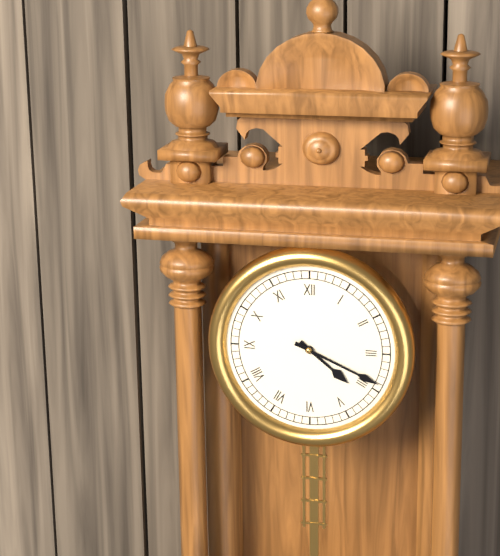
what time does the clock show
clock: 4:19
